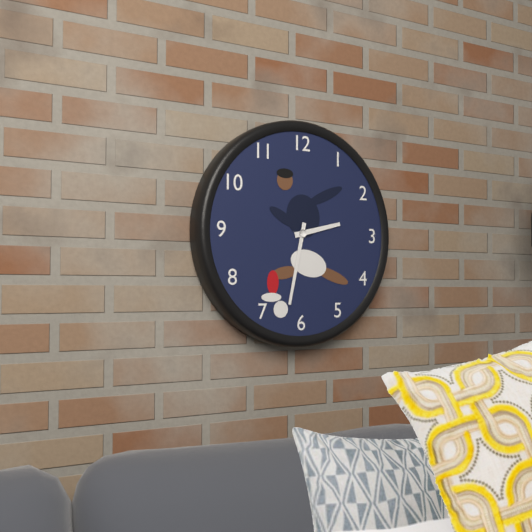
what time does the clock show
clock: 2:32
